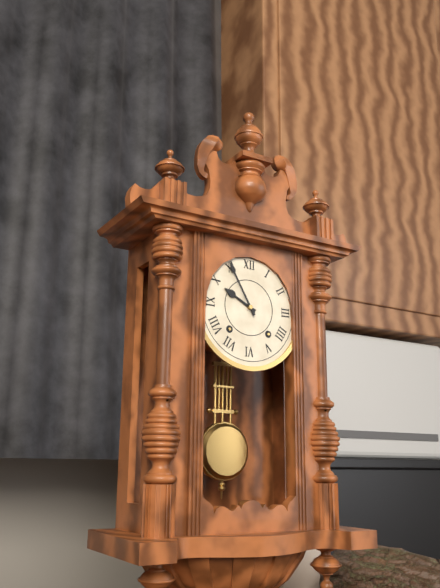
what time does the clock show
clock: 9:55
